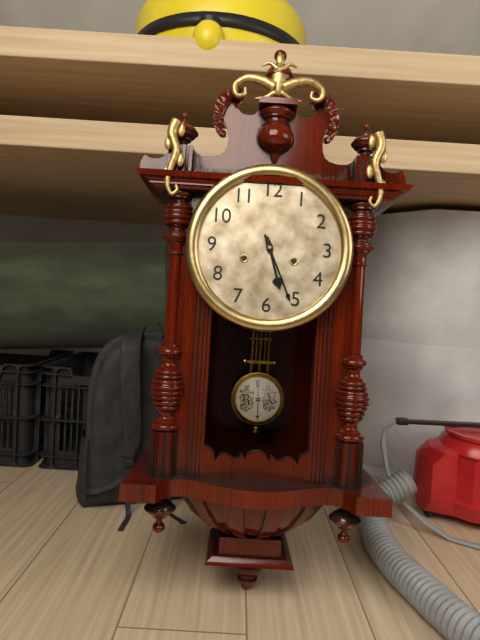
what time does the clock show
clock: 5:26
